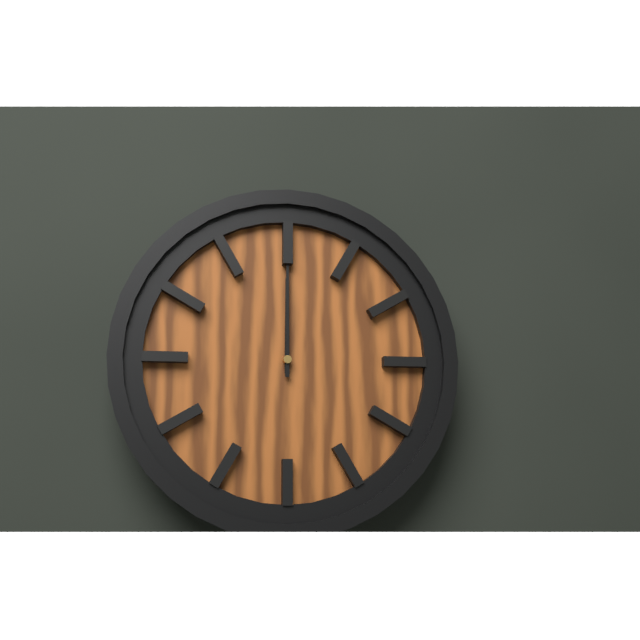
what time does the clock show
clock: 12:00
